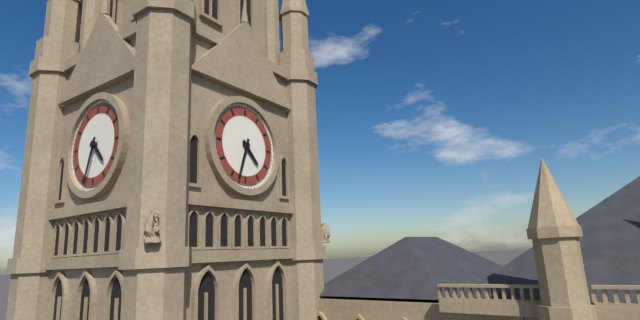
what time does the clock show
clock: 4:33
